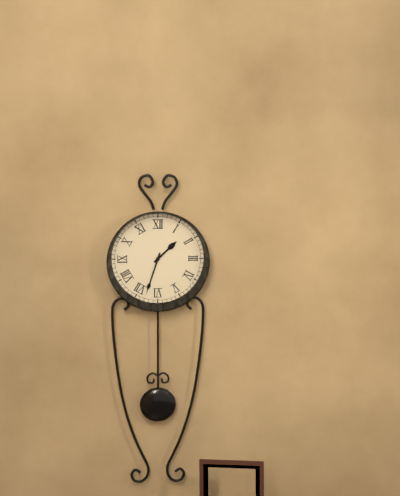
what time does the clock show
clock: 1:33
